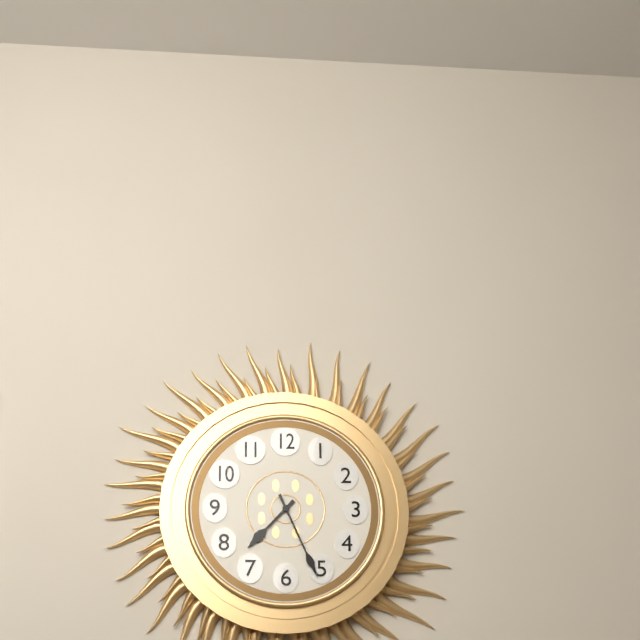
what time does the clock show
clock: 7:26
